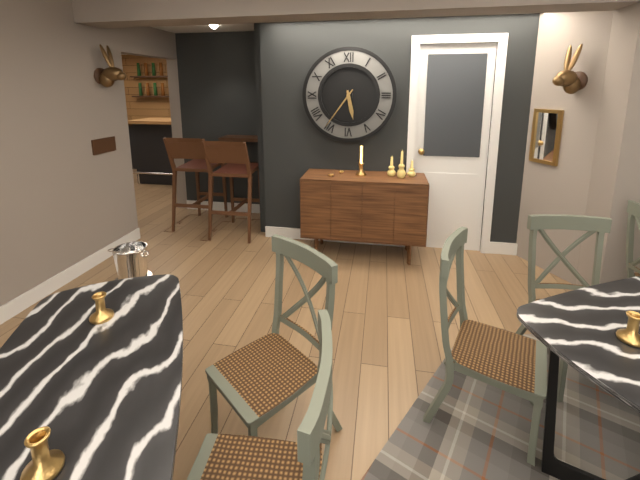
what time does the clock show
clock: 5:36
